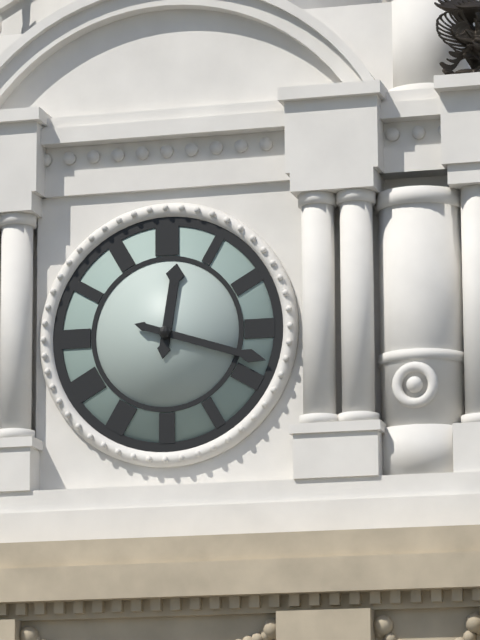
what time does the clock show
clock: 12:18
